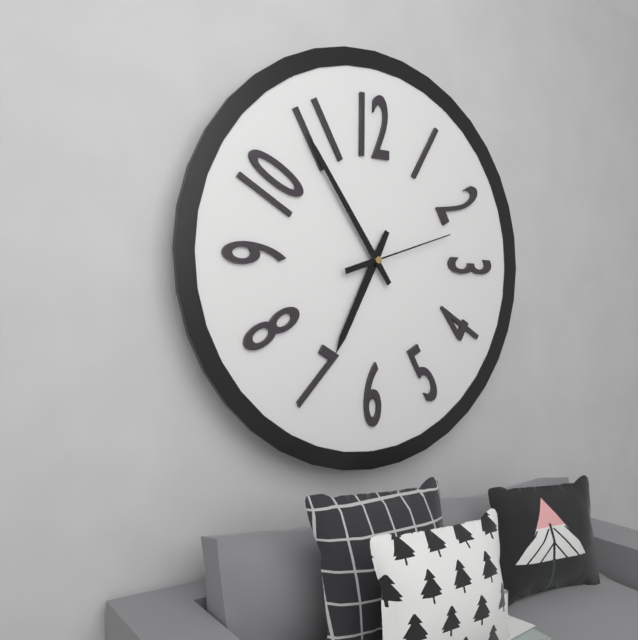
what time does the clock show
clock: 6:54:12
